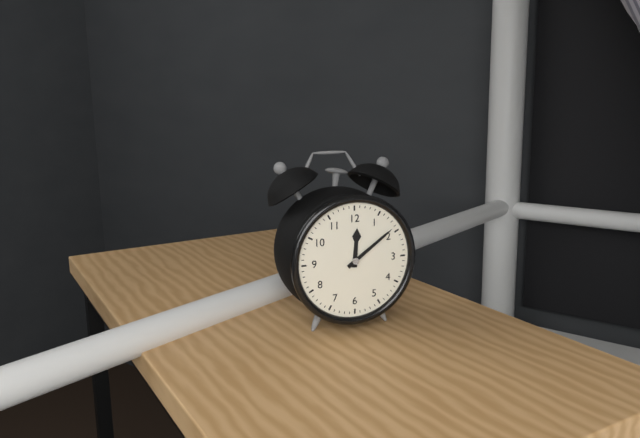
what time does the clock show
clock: 12:09
